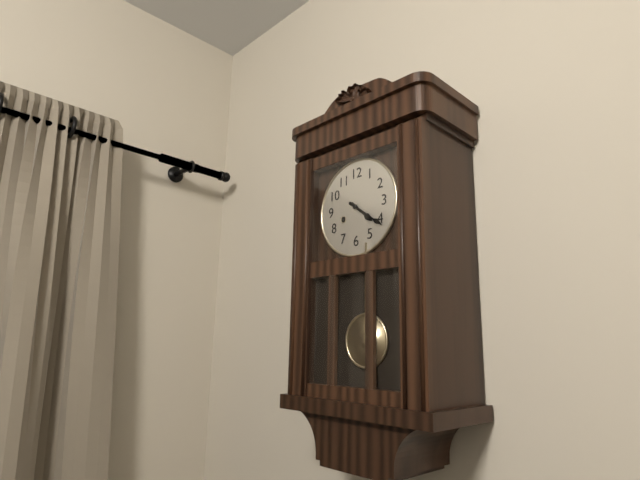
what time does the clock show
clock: 4:21
